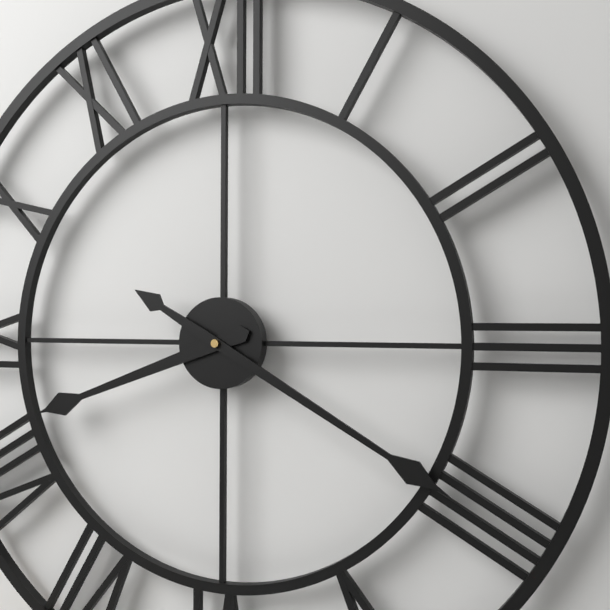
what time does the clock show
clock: 8:20
